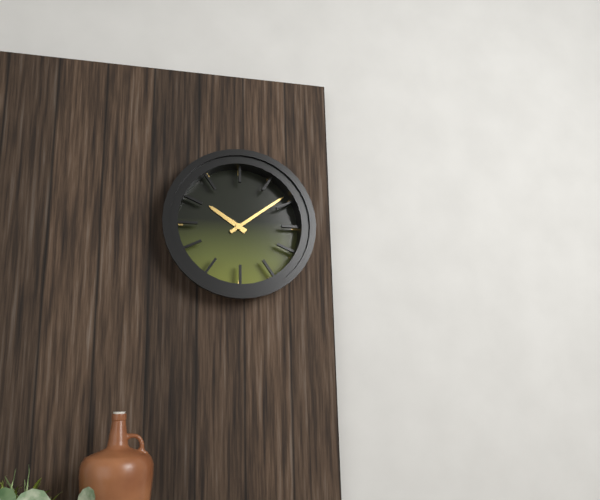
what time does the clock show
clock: 10:09
